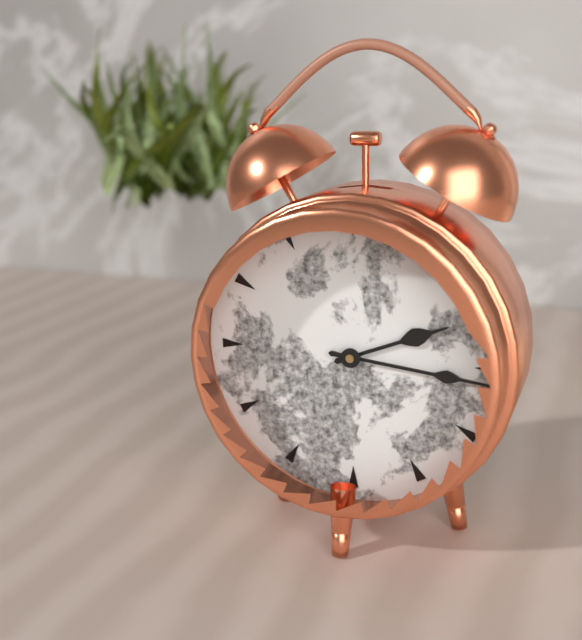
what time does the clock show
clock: 2:16
